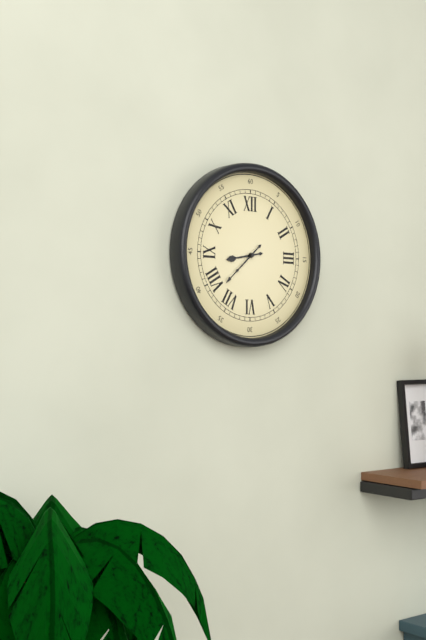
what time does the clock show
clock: 8:38
